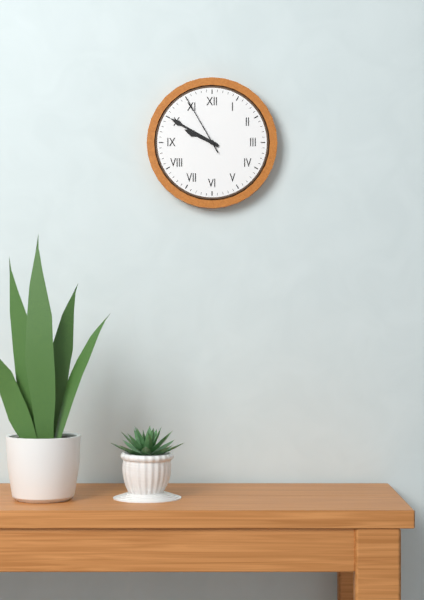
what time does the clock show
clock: 9:50:55
